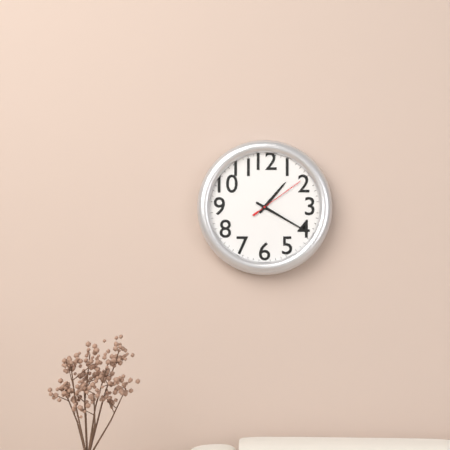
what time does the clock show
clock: 1:20:09
